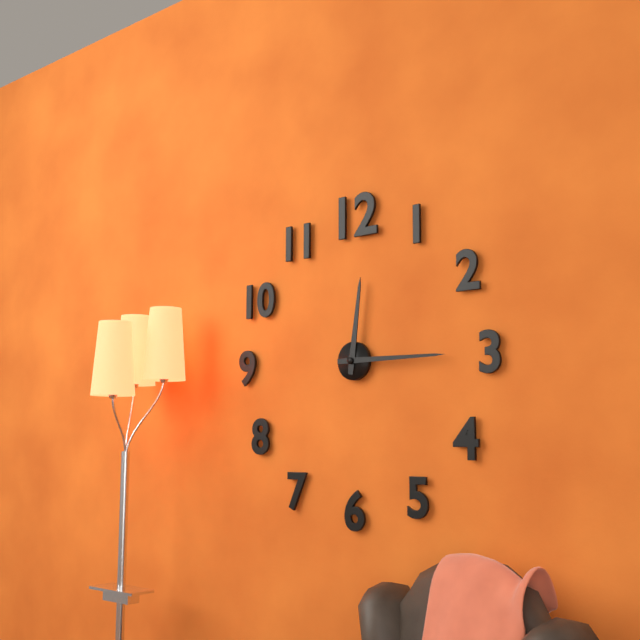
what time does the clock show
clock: 12:15
